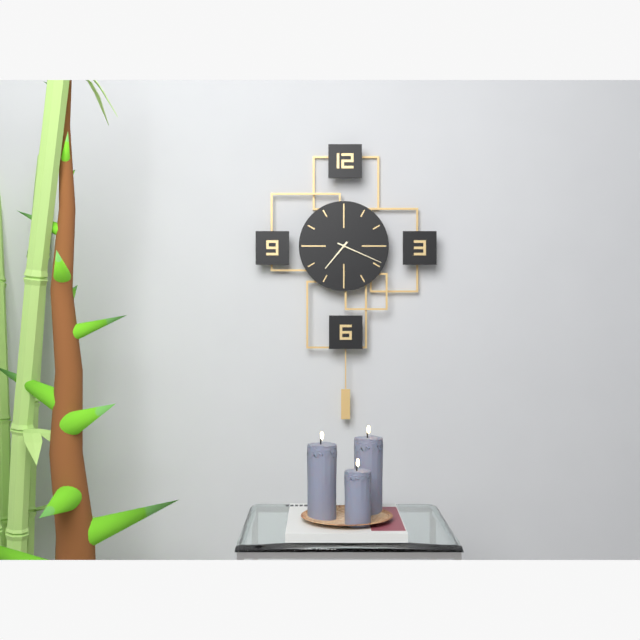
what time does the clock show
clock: 7:19
